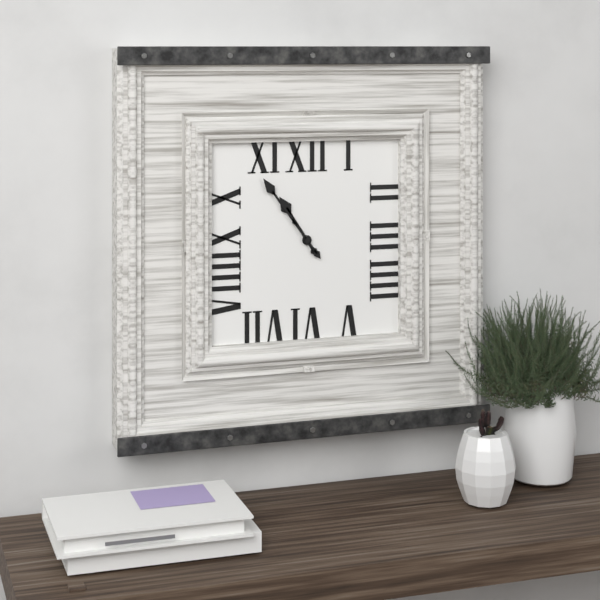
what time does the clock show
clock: 10:54
